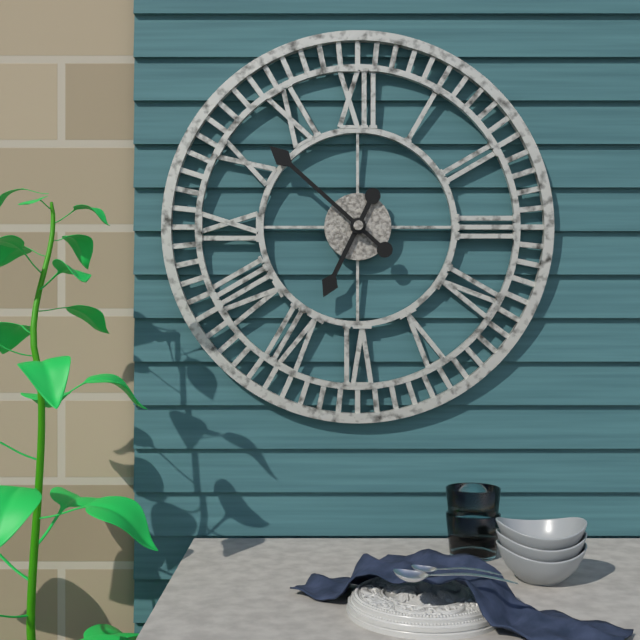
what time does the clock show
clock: 6:52
